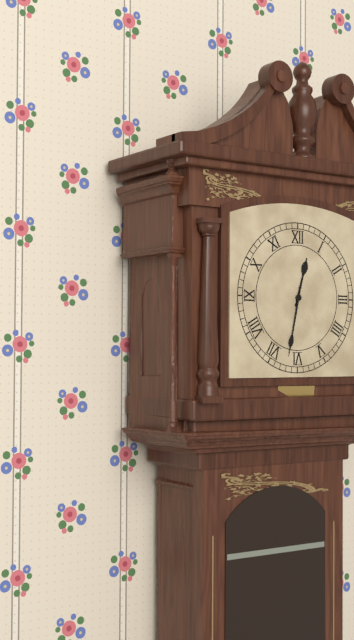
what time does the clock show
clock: 12:32
